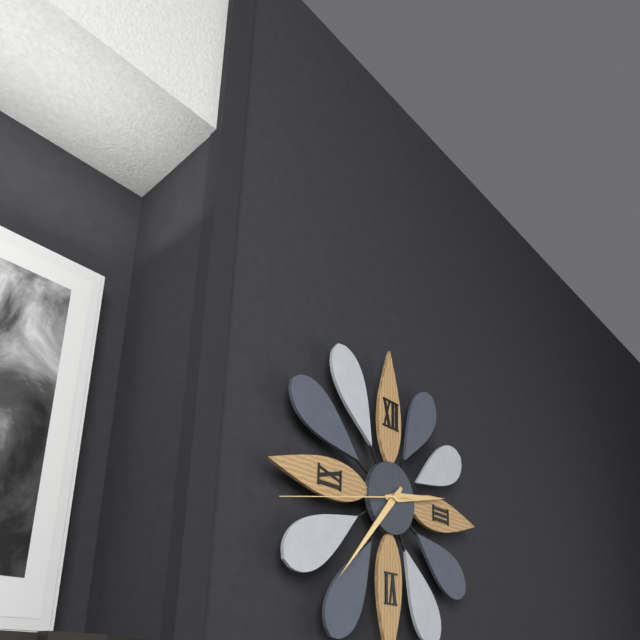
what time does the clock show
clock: 2:37:43
